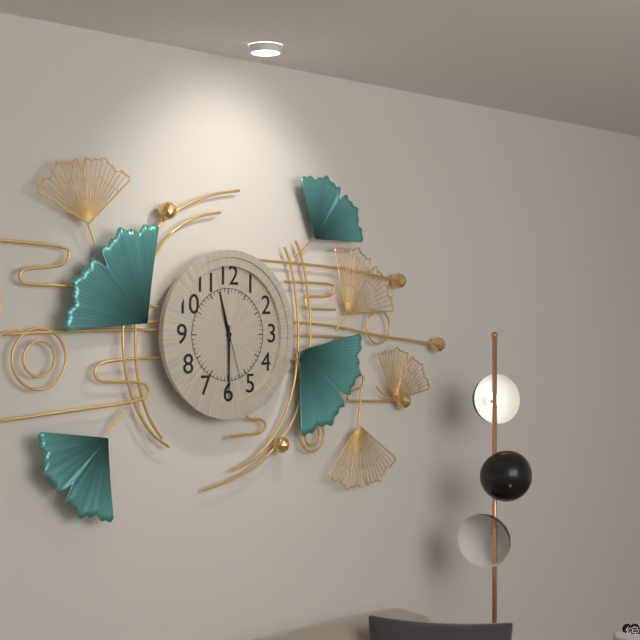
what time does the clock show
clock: 11:30:27
